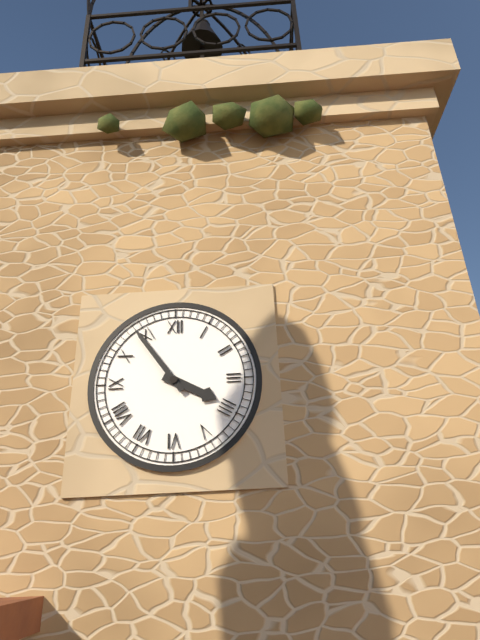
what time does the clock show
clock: 3:54
